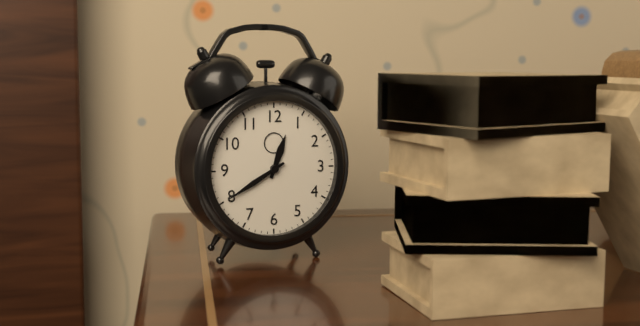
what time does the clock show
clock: 12:40
